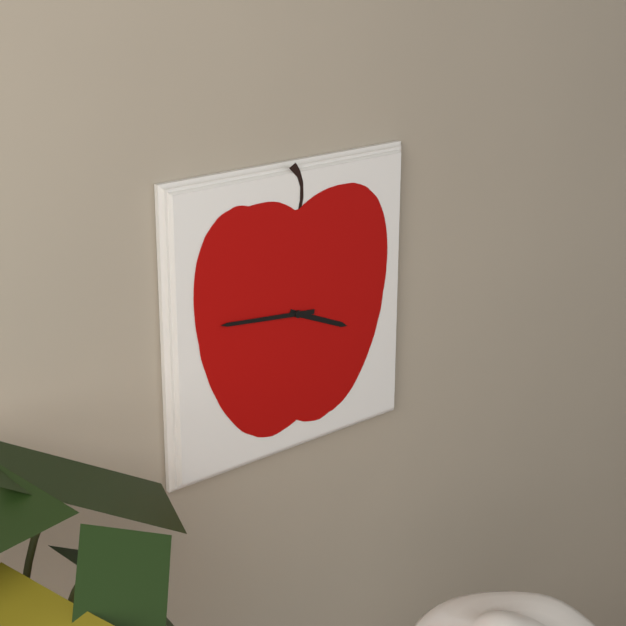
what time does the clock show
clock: 3:46
